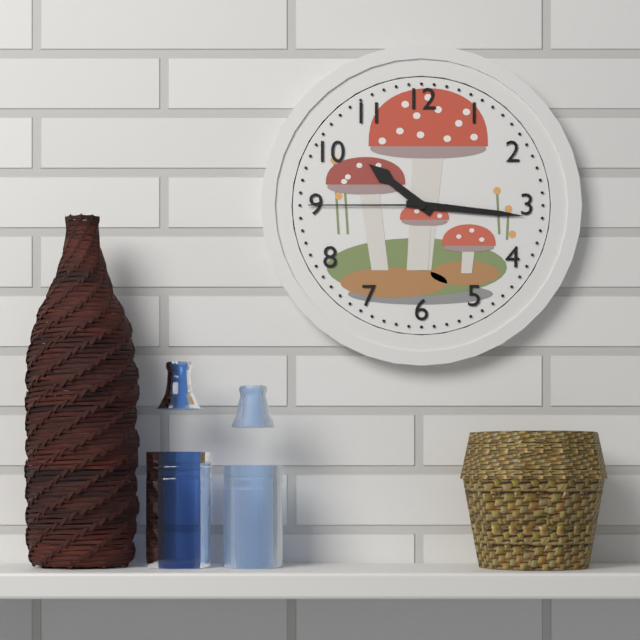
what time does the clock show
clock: 10:16:45
